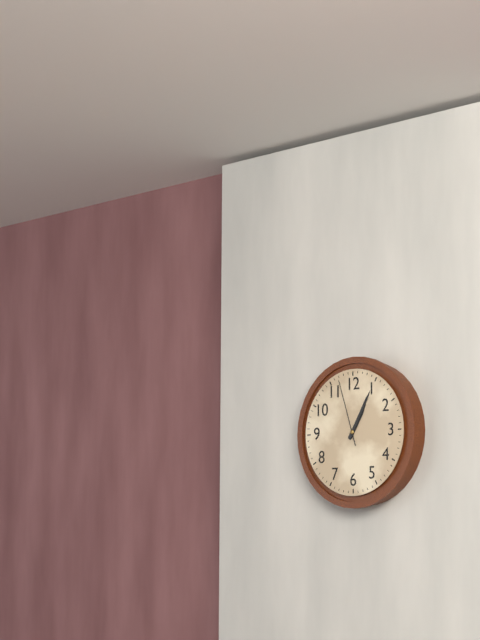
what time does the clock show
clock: 1:05:57
